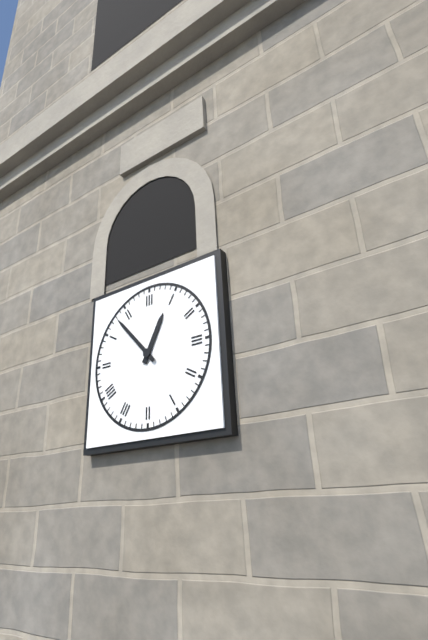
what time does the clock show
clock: 12:53
